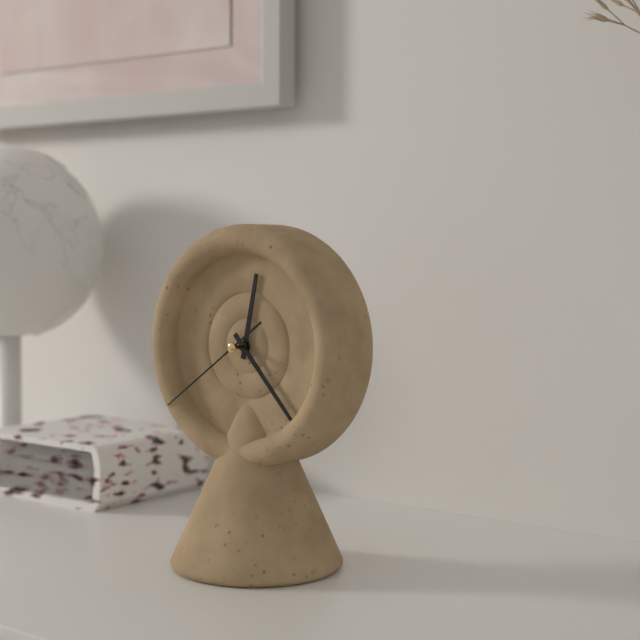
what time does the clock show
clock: 12:23:39
